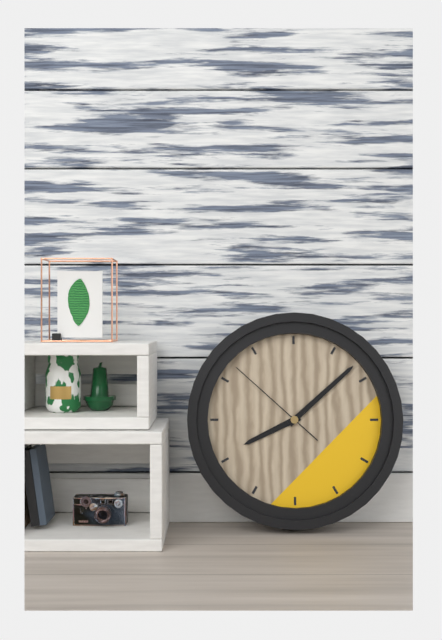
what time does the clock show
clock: 8:08:52
